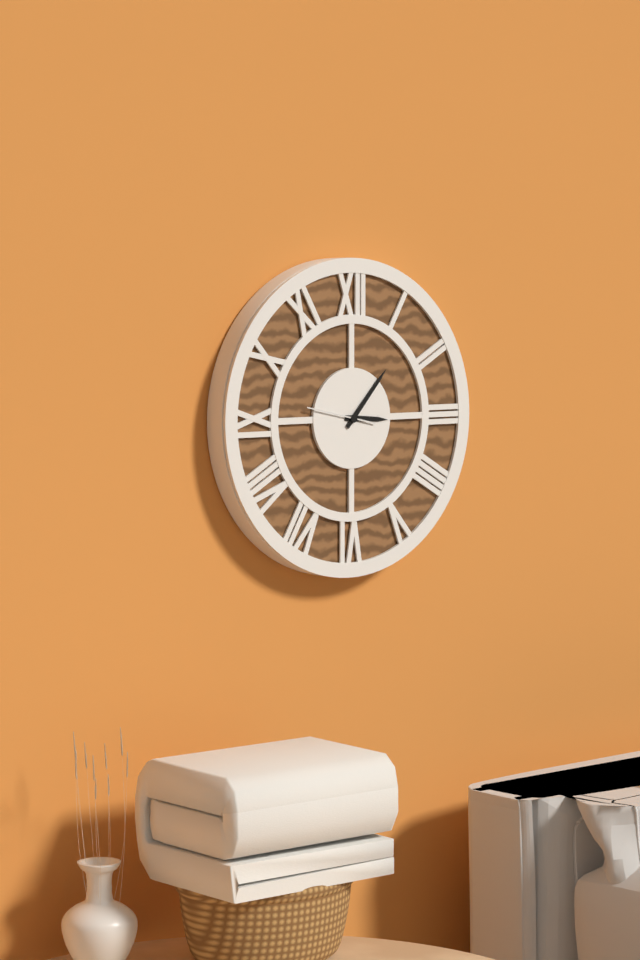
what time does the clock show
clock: 3:07
